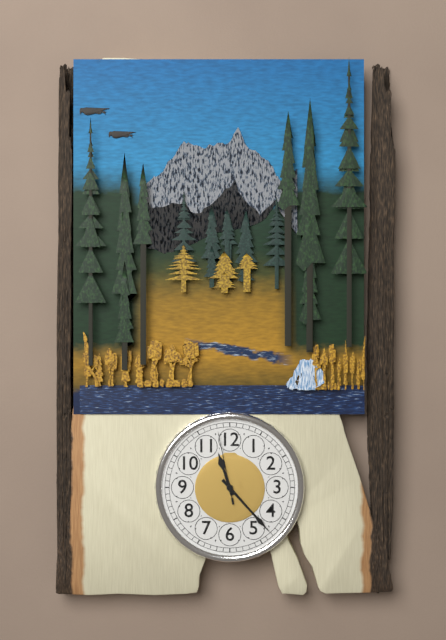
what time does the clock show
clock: 11:23:58
